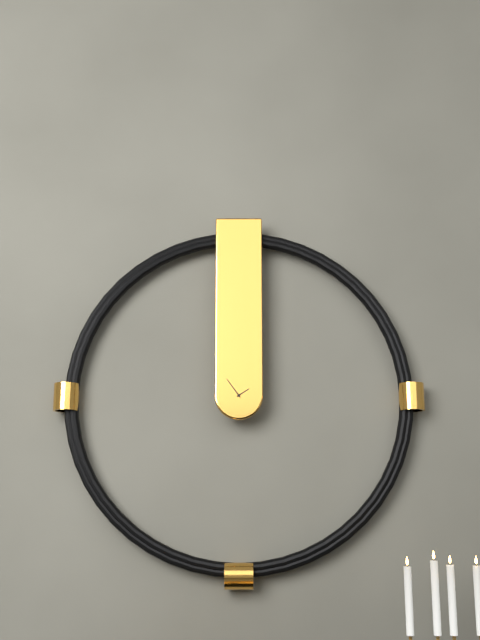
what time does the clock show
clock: 1:54
